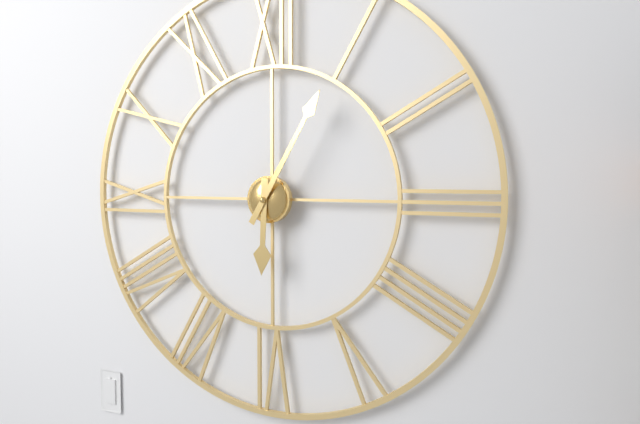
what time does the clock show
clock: 6:05
